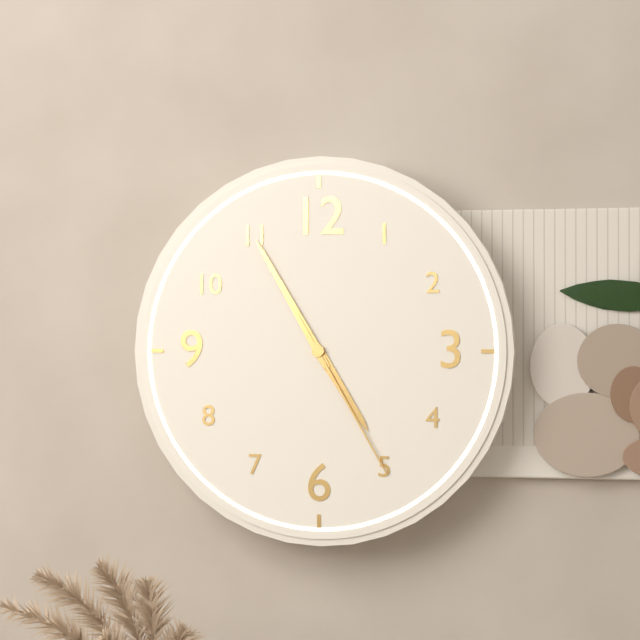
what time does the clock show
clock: 4:55:25
